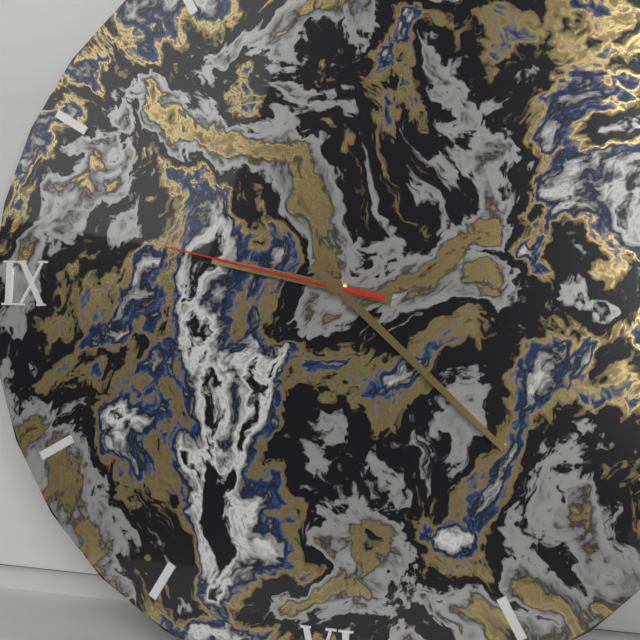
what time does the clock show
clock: 9:22:47
